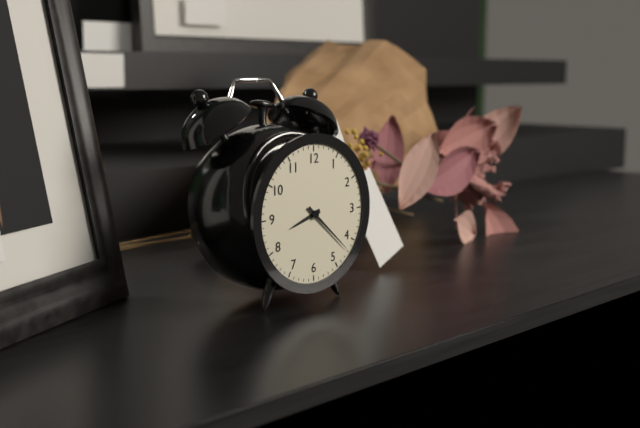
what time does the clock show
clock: 8:22
